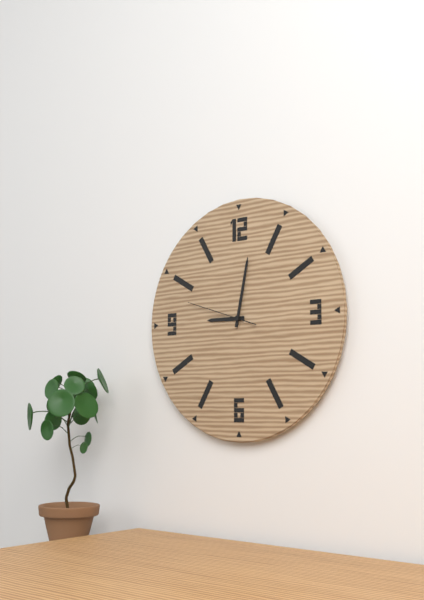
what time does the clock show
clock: 9:02:48
